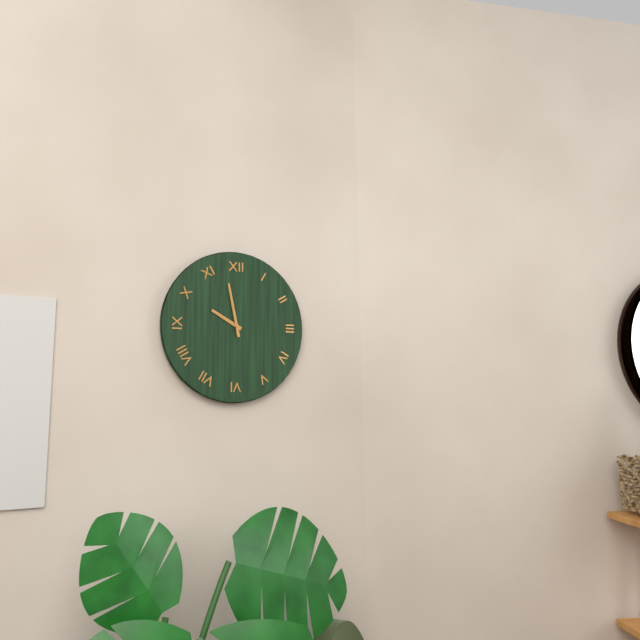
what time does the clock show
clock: 9:58
